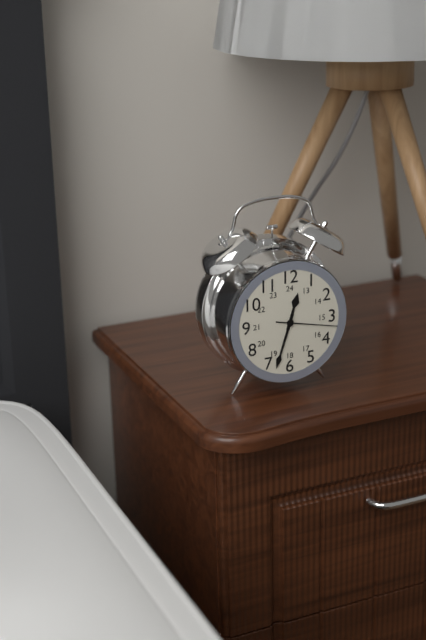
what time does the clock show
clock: 12:33:17
